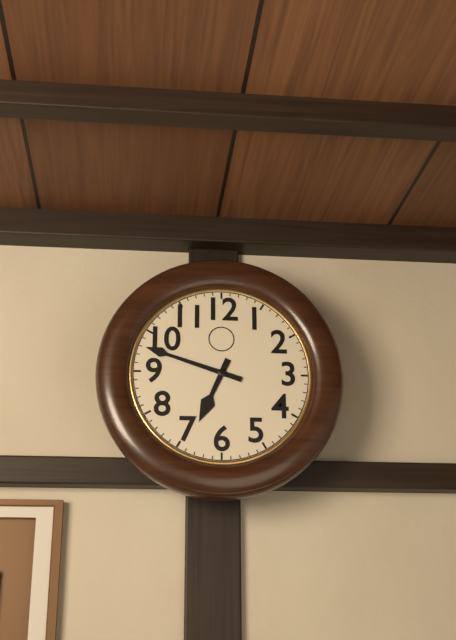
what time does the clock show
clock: 6:48
